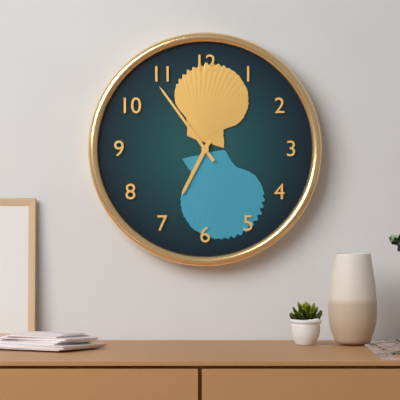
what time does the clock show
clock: 6:54
